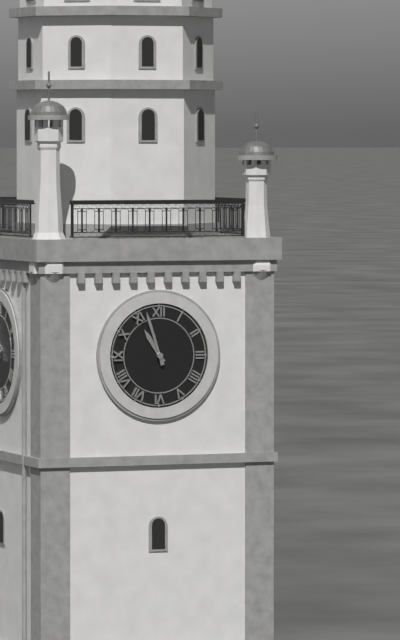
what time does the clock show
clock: 10:57
